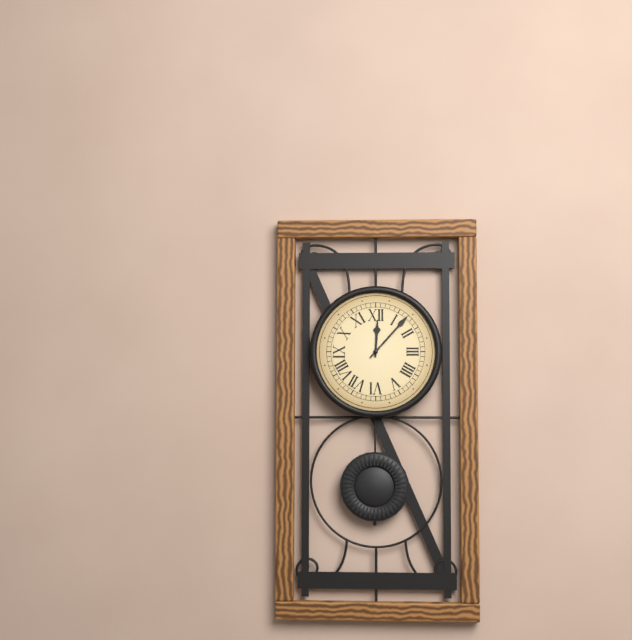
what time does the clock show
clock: 12:07
